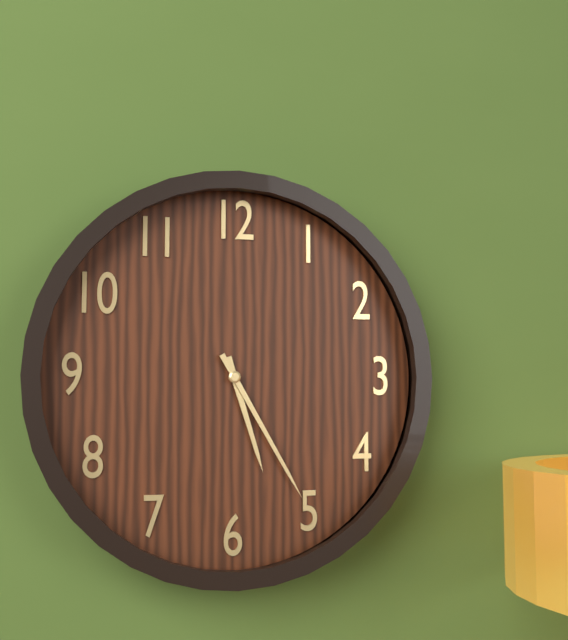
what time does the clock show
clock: 5:25
